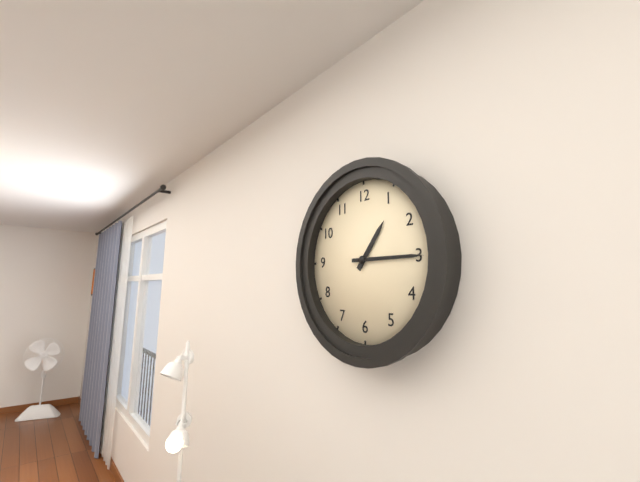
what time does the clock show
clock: 1:15
